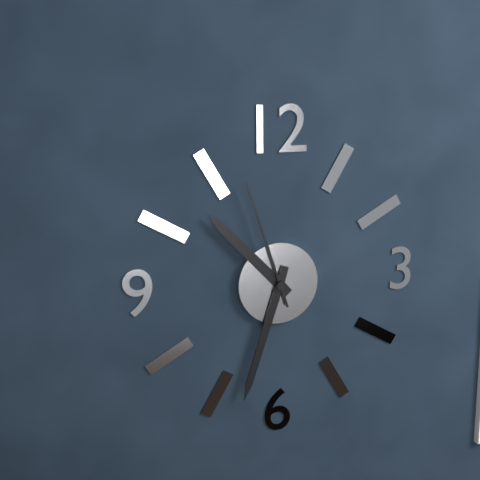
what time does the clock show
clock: 10:33:57
